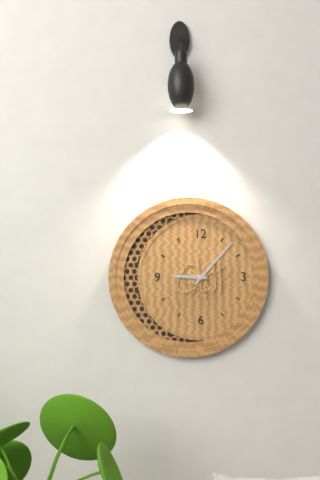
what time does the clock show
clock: 9:07
